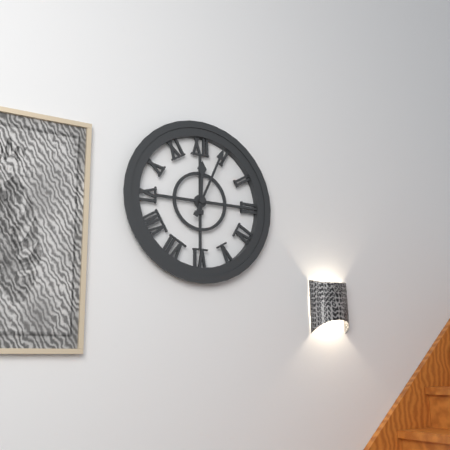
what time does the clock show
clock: 12:04
